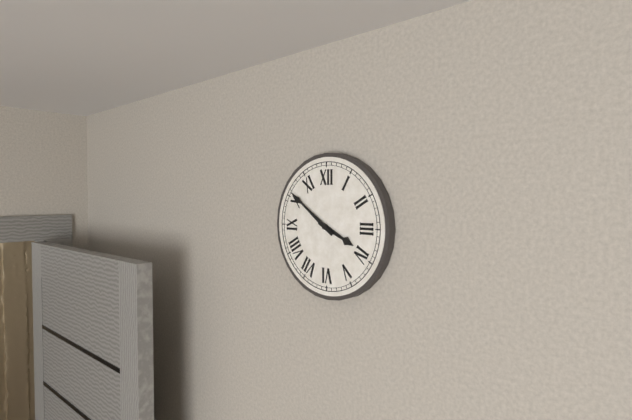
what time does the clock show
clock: 3:51
